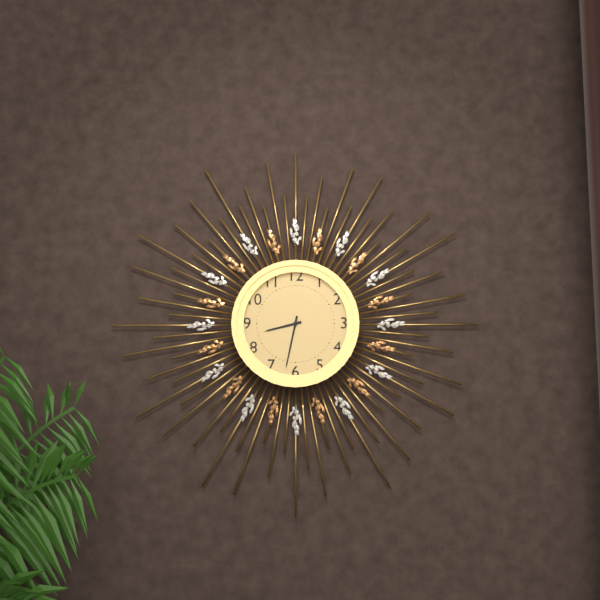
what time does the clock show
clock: 8:32
